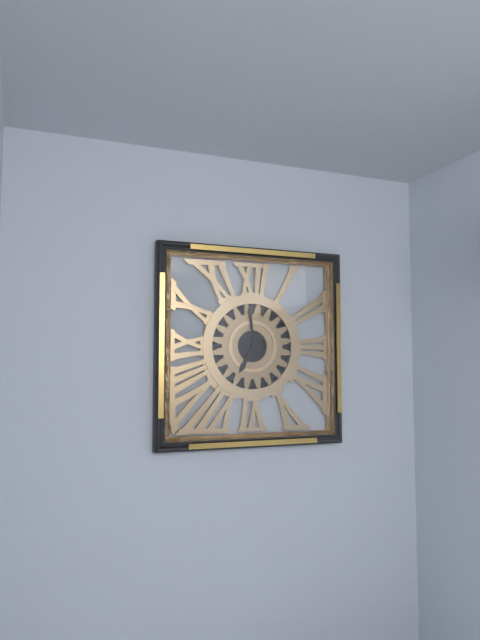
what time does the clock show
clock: 6:59
